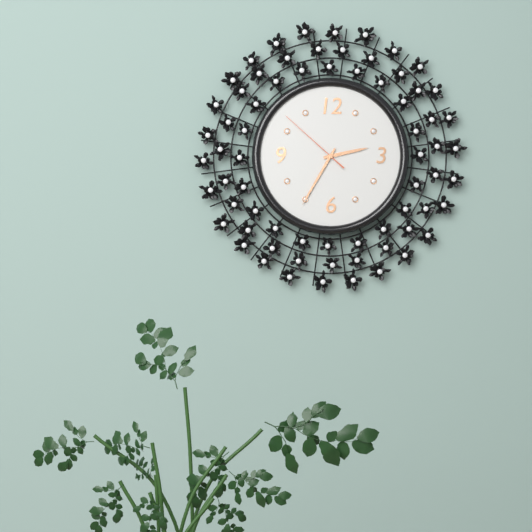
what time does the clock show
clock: 2:35:52
